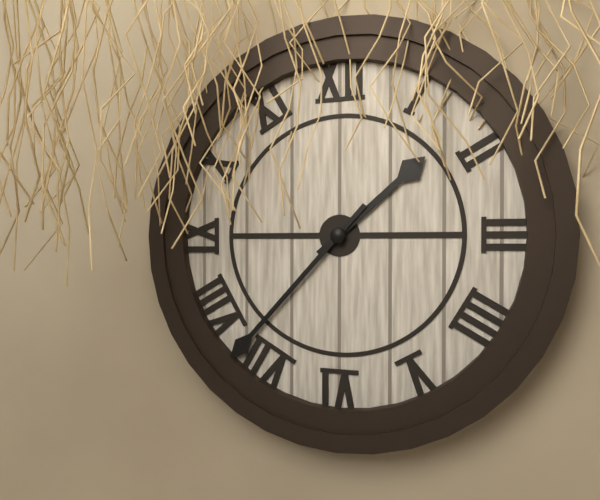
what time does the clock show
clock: 1:37
